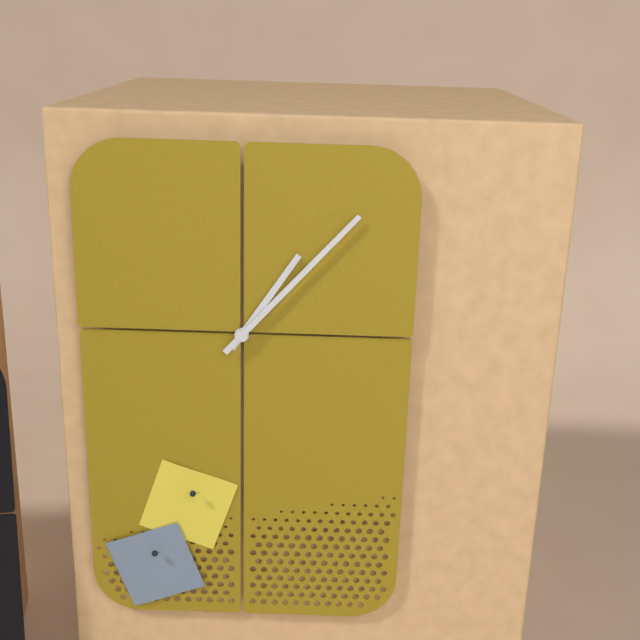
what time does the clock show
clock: 1:07
